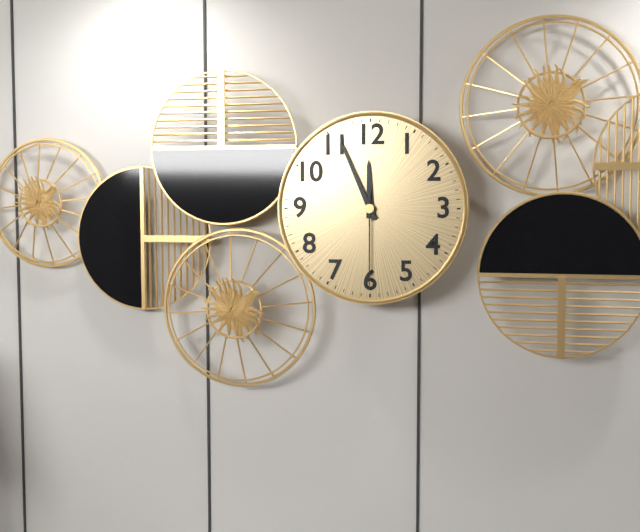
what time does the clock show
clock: 11:56:30
